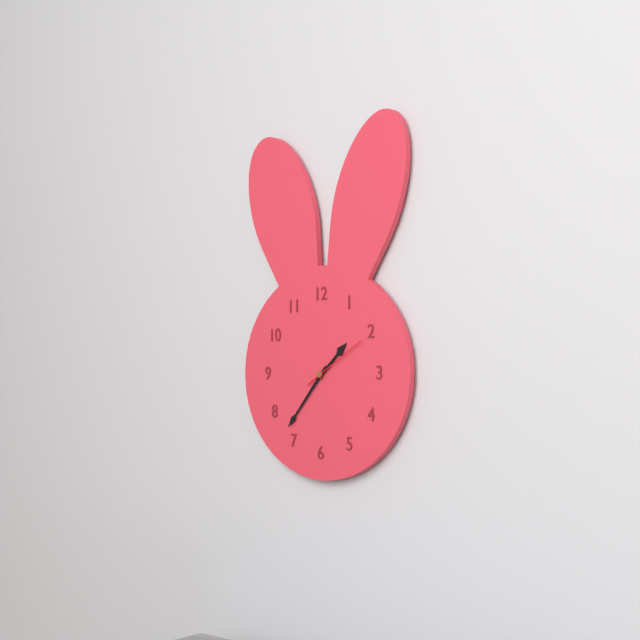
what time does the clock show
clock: 1:37:10
